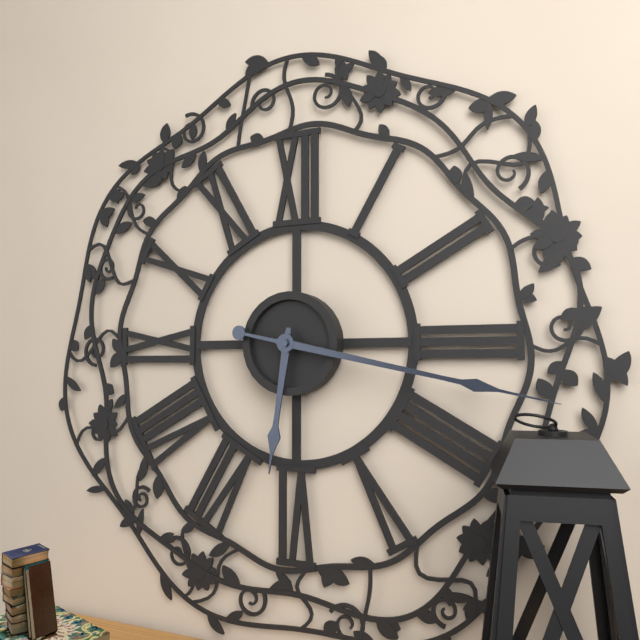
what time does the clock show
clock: 6:17
